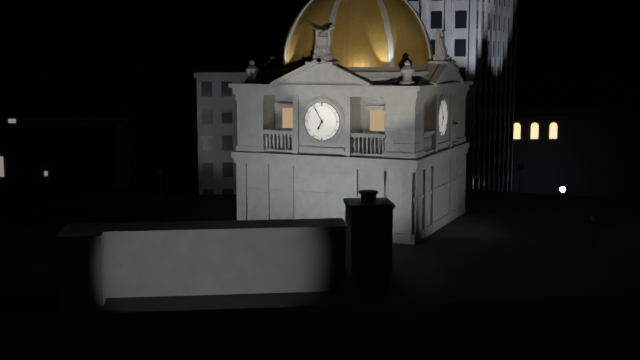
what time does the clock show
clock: 6:55
